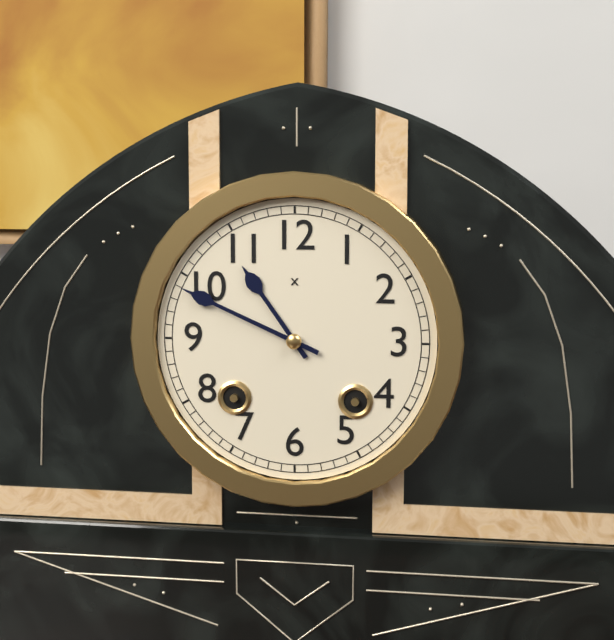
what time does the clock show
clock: 10:49
